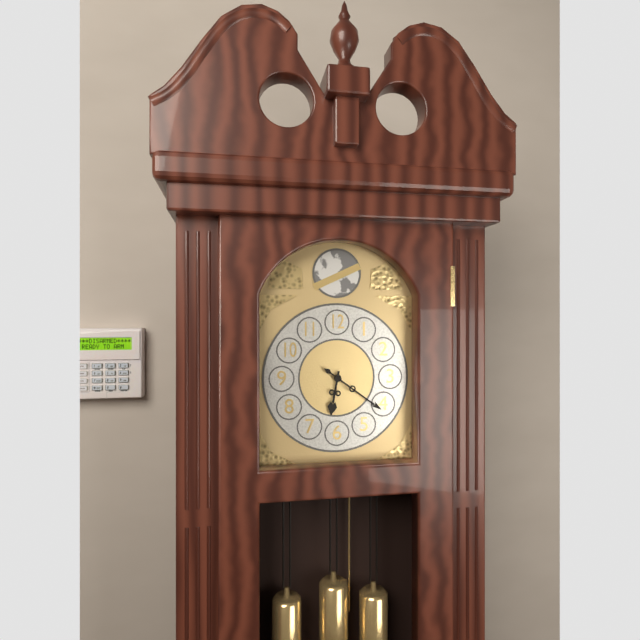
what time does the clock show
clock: 6:21
